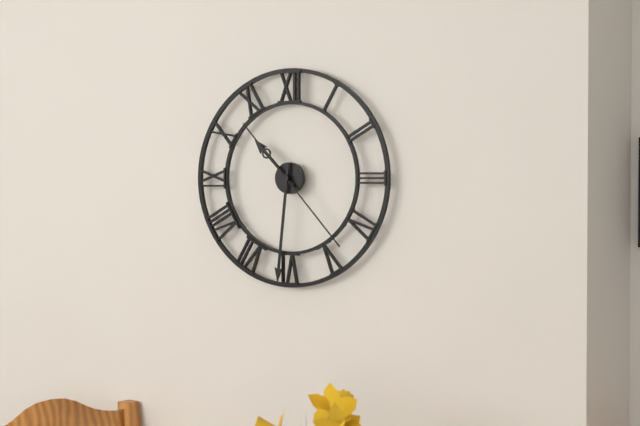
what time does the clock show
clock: 10:31:23
